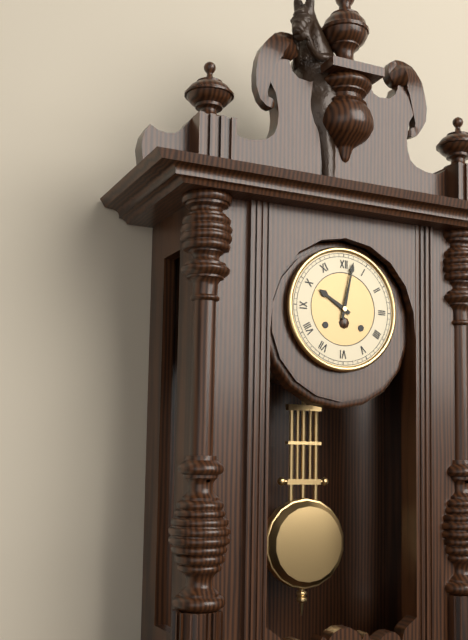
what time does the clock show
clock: 10:02
